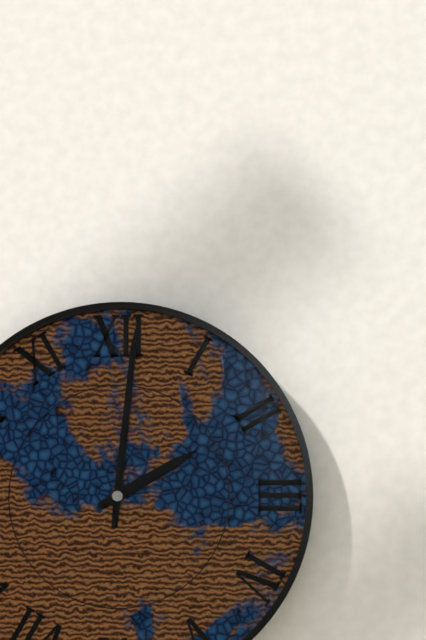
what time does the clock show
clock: 2:01
